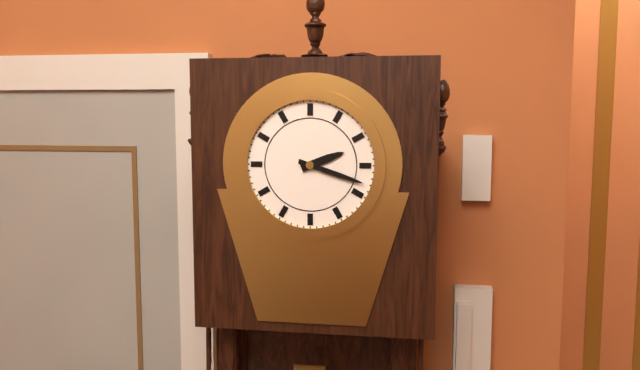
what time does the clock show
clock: 2:18
